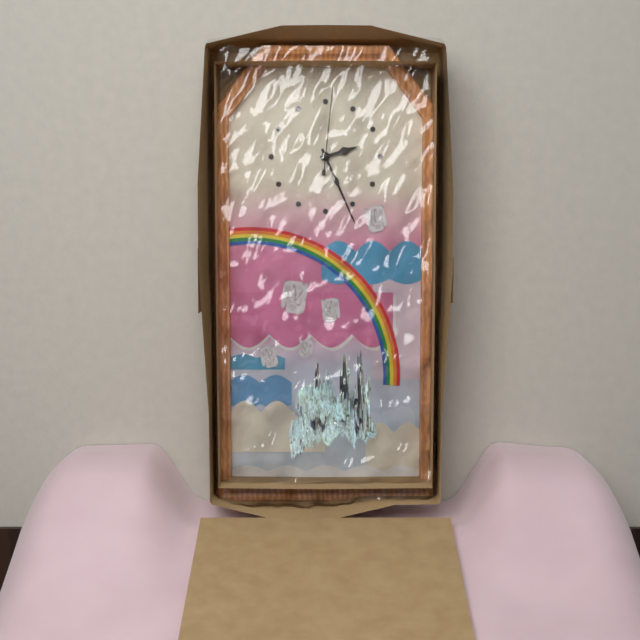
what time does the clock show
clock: 2:26:01
